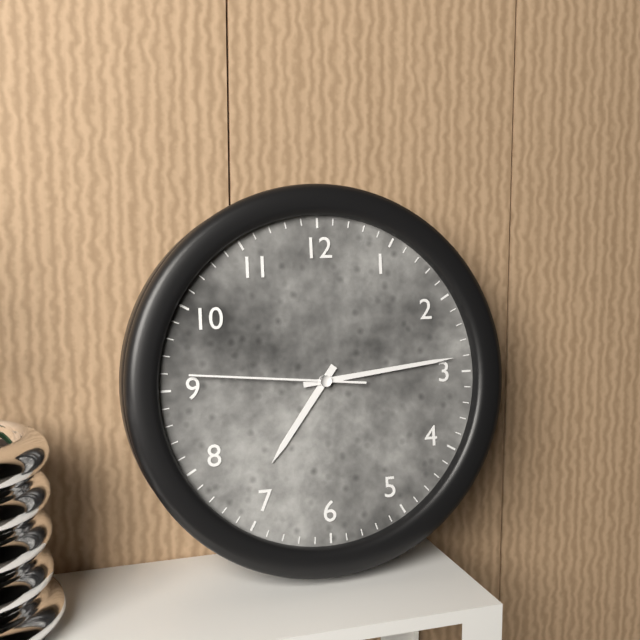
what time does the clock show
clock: 7:14:46
